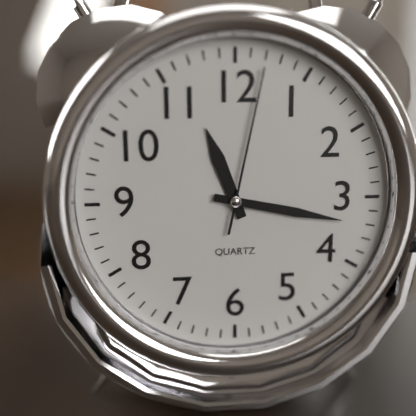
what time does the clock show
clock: 11:17:02
